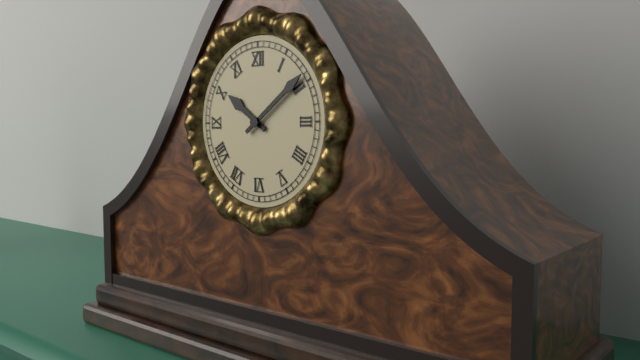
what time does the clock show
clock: 10:09
